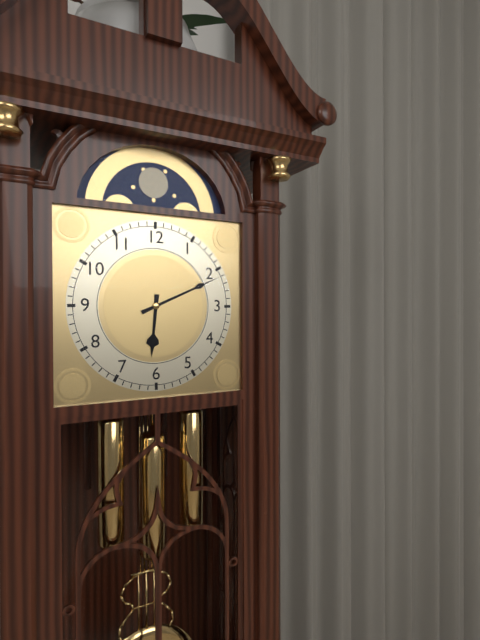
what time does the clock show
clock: 6:11
